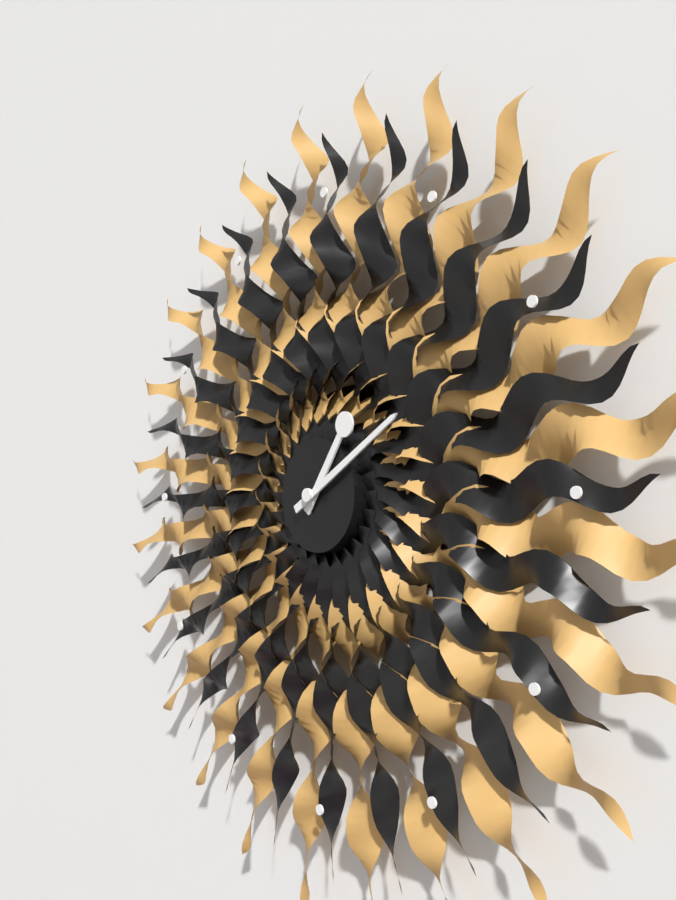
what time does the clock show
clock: 1:10
